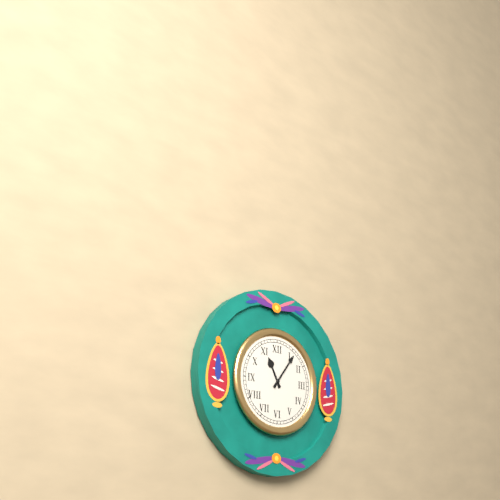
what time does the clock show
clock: 11:06
